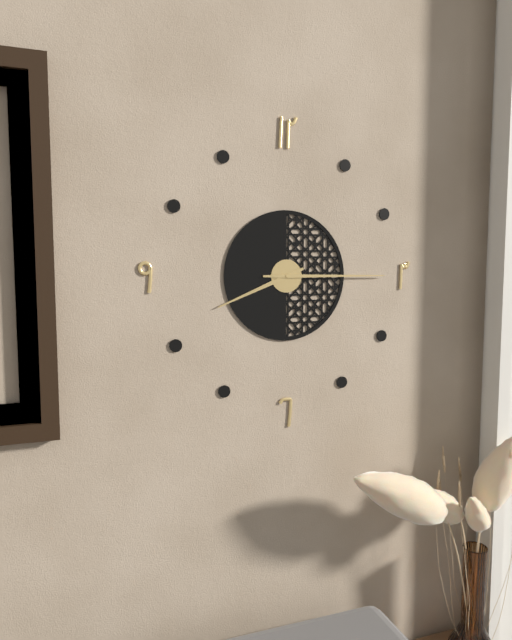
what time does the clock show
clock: 8:15
